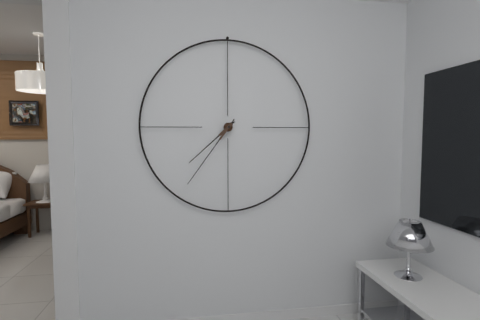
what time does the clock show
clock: 7:36
